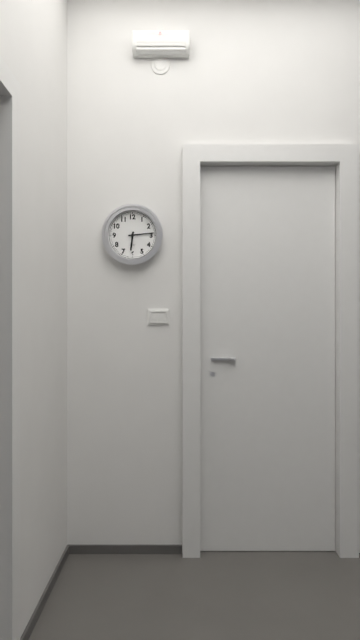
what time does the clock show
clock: 6:14
